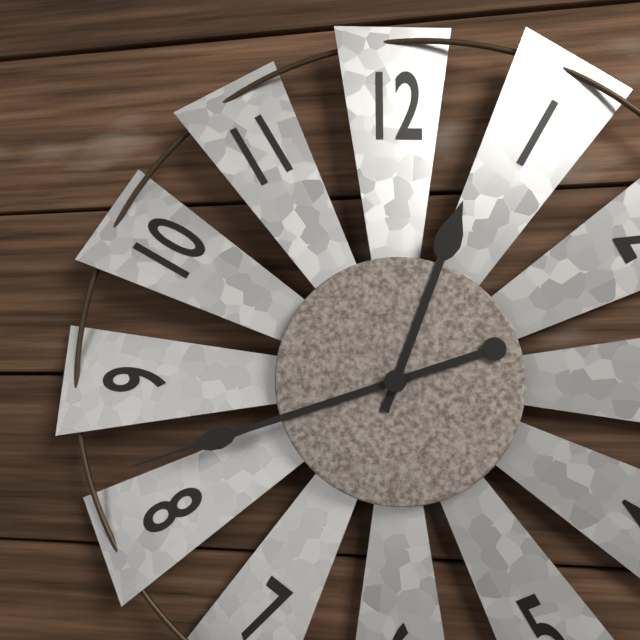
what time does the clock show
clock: 12:42
